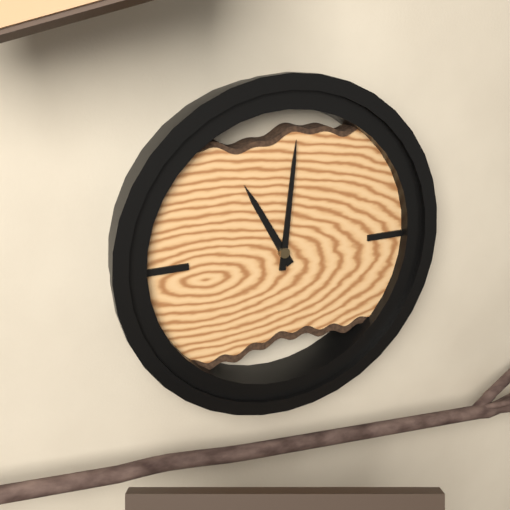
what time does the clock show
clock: 11:01
